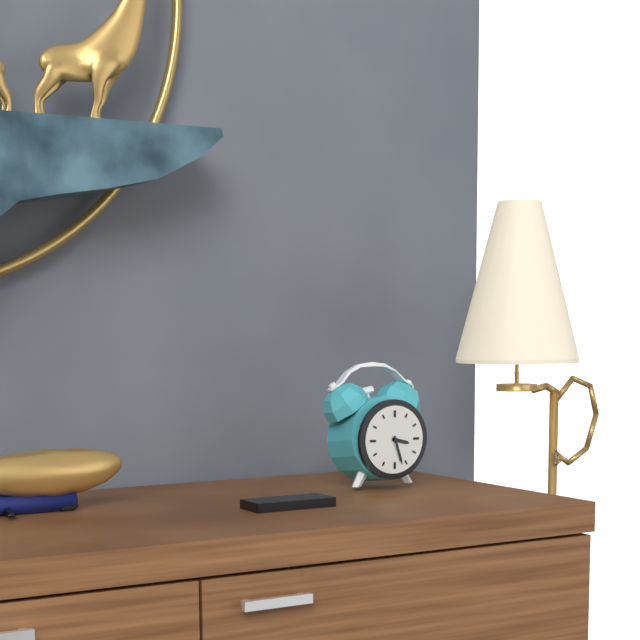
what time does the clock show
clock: 3:27
